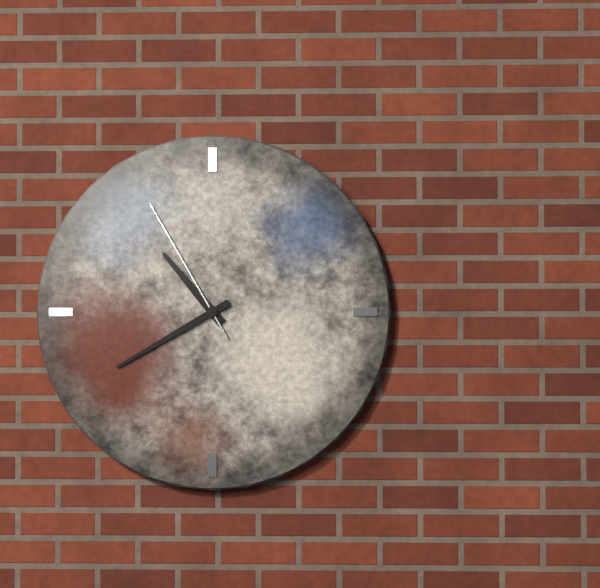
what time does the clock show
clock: 10:40:55
